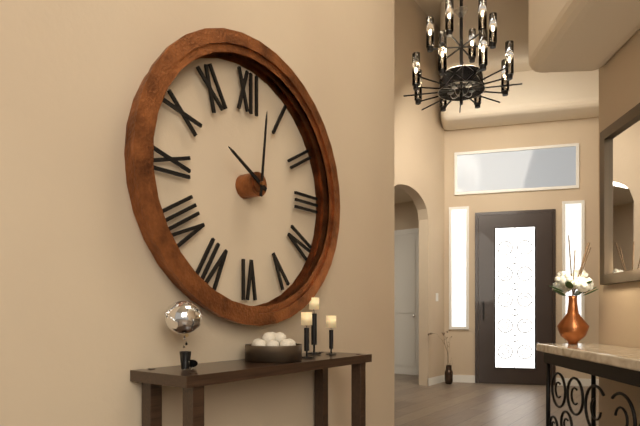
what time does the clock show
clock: 10:01
